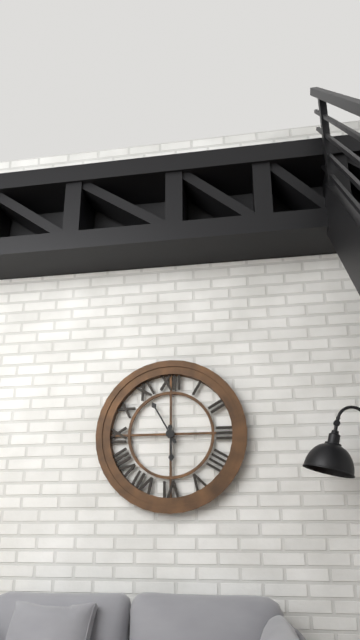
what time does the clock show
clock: 5:55
